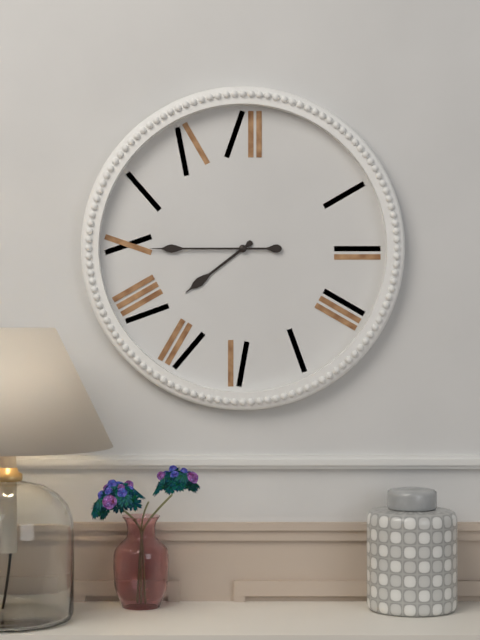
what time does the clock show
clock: 7:45
